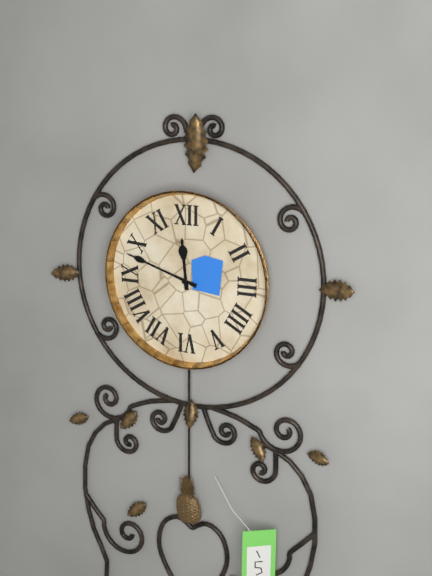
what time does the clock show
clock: 11:48
